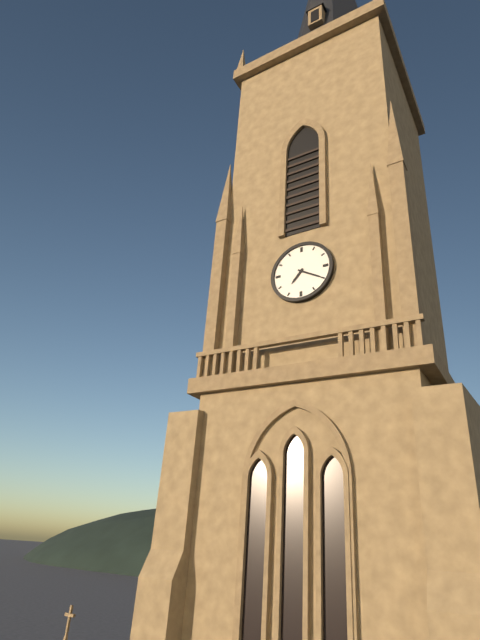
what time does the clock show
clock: 7:20
